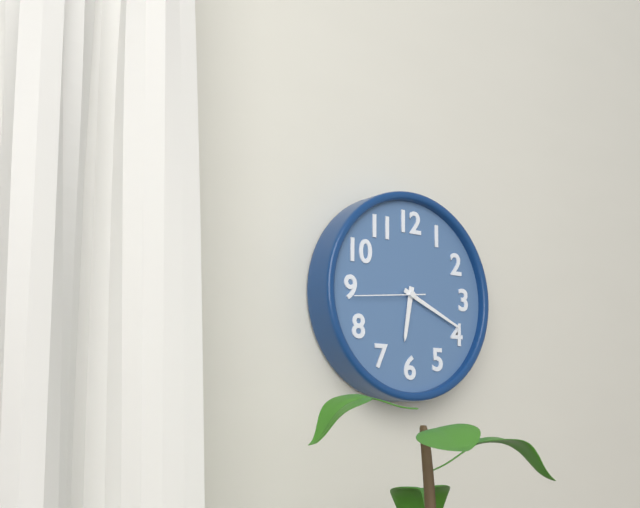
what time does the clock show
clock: 6:19:44
